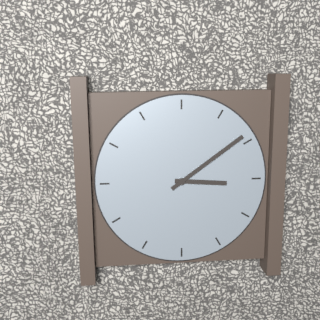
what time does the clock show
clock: 3:09
